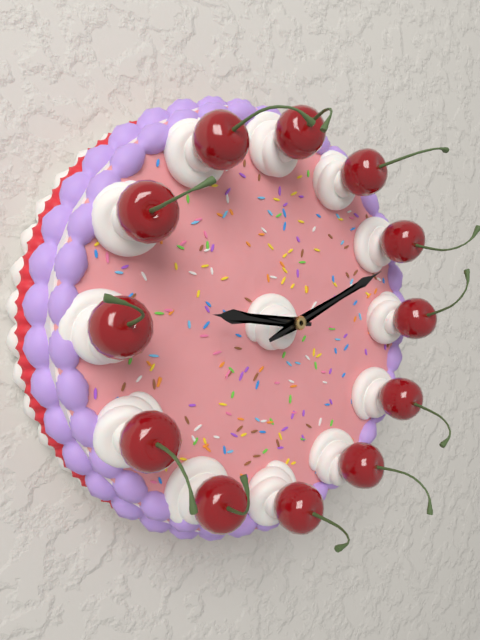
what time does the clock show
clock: 9:11
